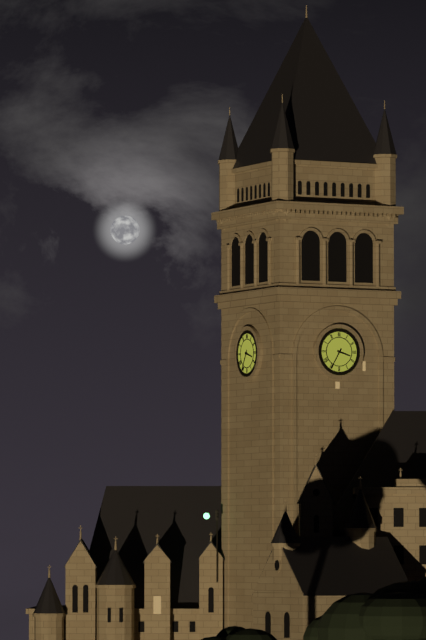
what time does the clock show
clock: 3:35
